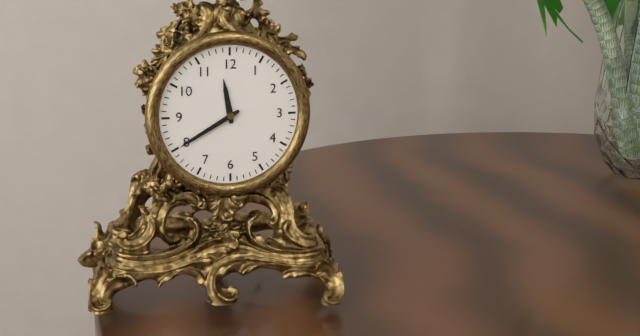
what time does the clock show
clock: 11:40
